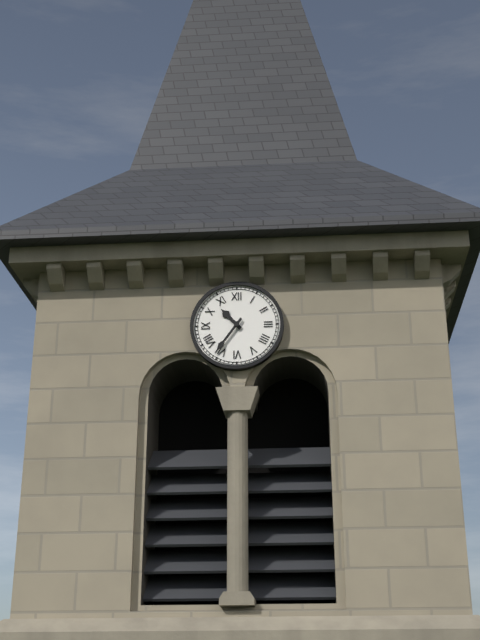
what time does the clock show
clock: 10:36
